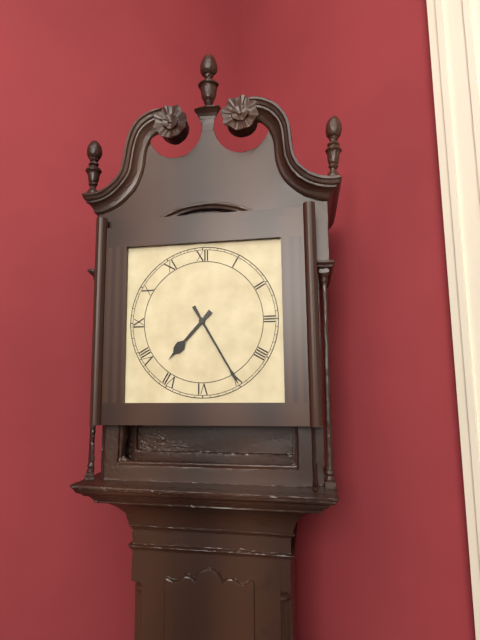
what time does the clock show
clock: 7:25
